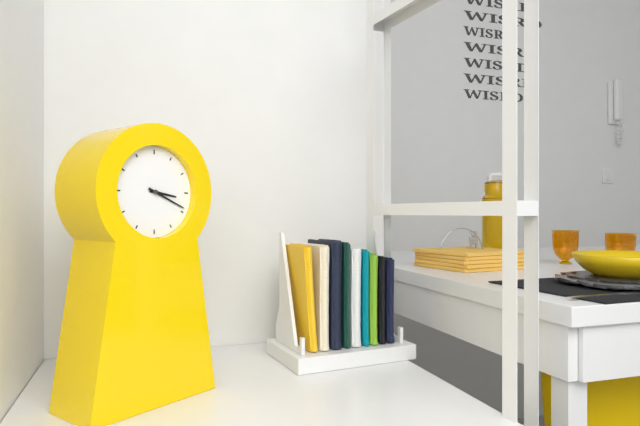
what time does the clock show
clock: 3:19
